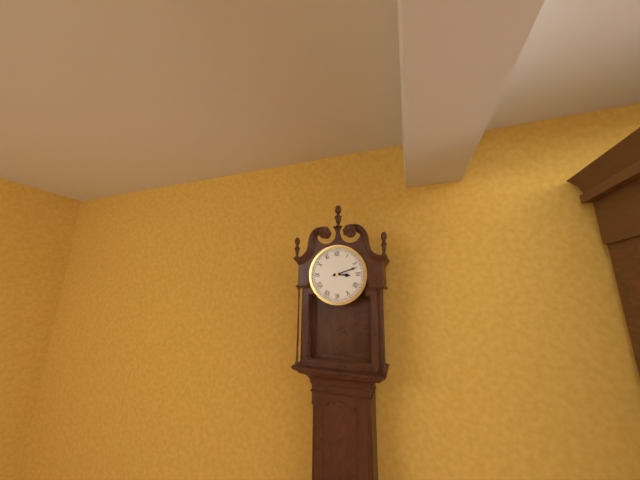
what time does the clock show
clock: 3:12
